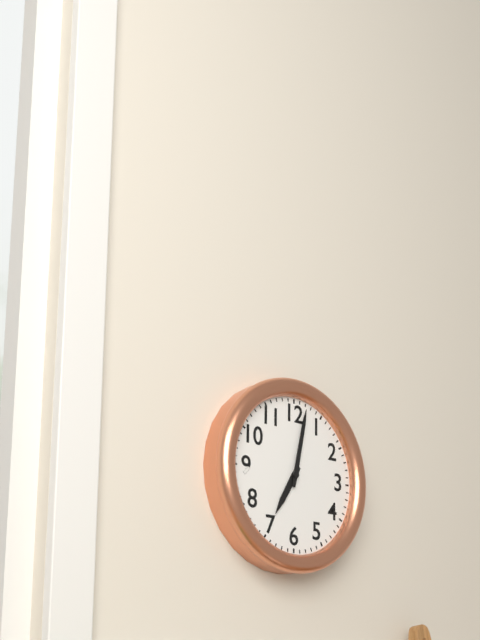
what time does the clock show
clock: 7:02
